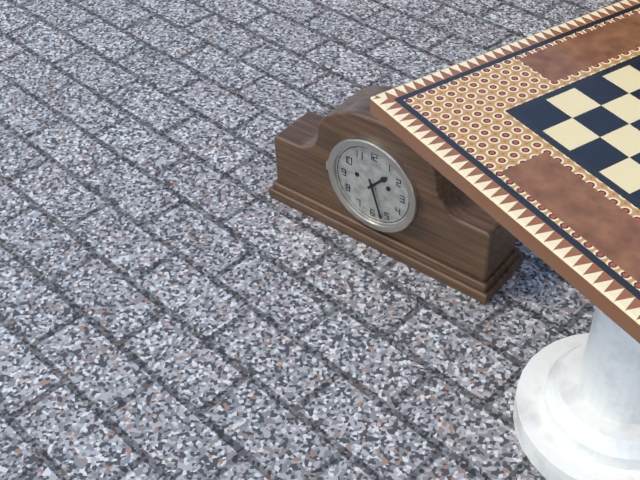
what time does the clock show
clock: 1:27
